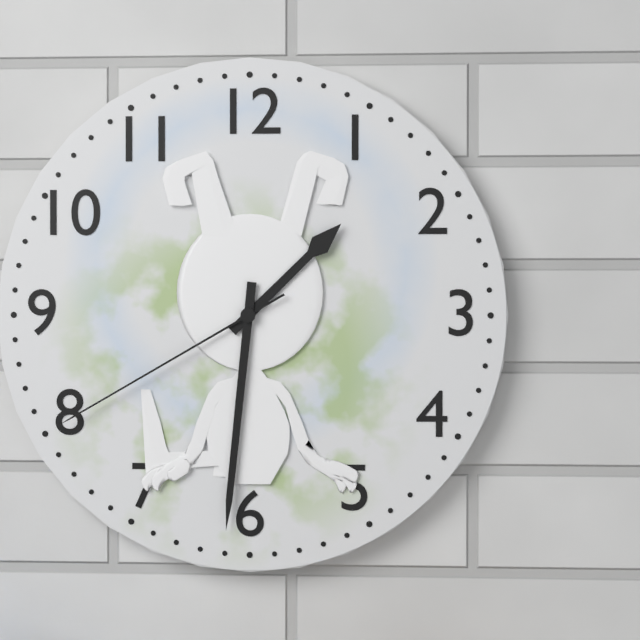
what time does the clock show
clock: 1:31:40
